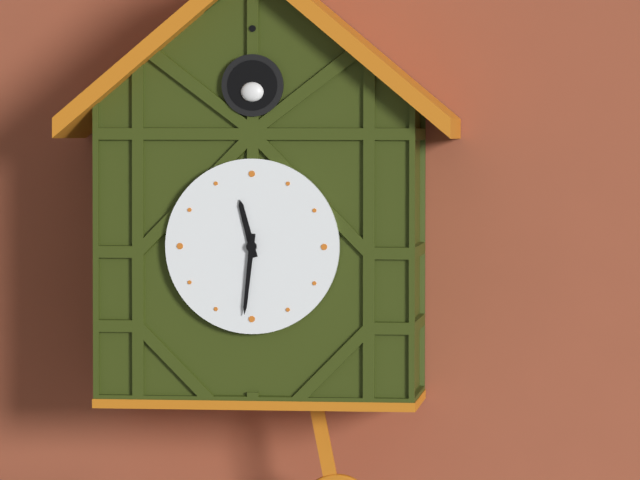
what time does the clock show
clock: 11:31
